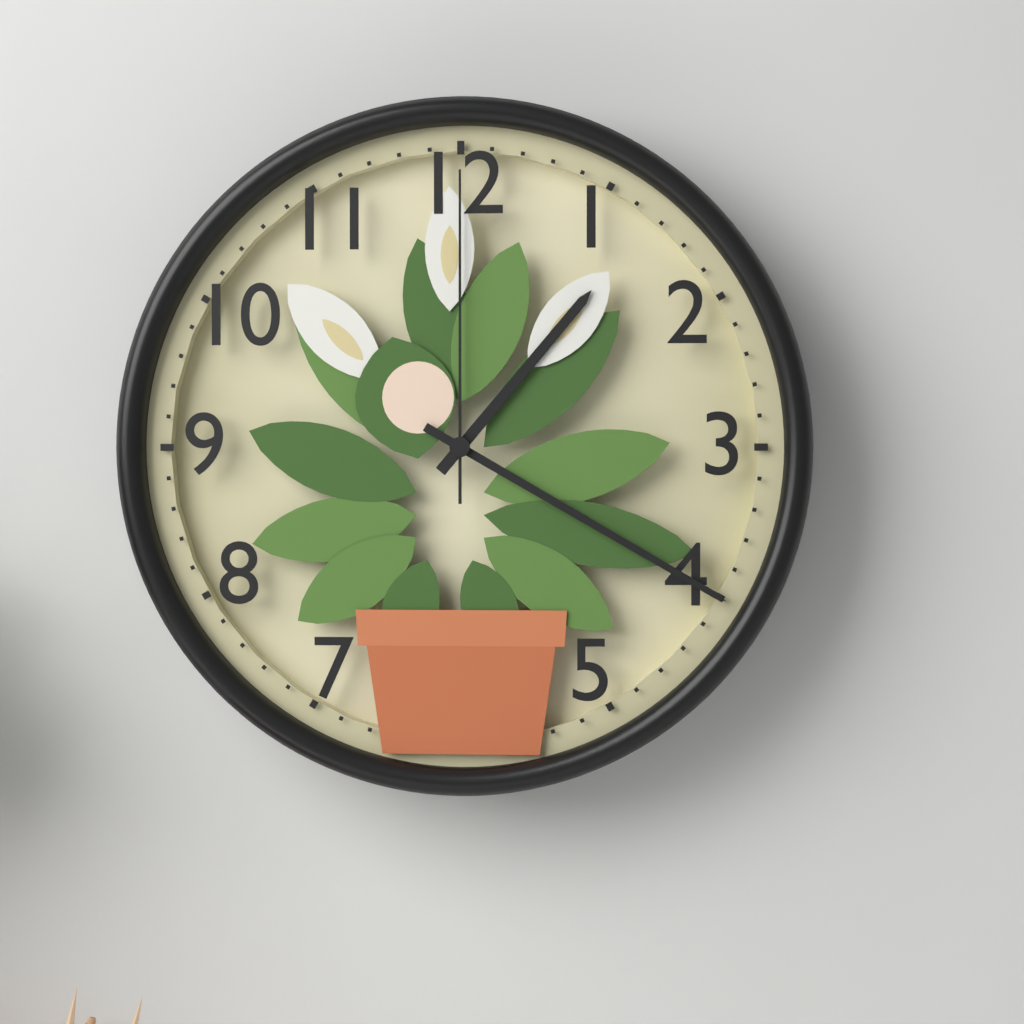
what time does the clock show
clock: 1:20:00
